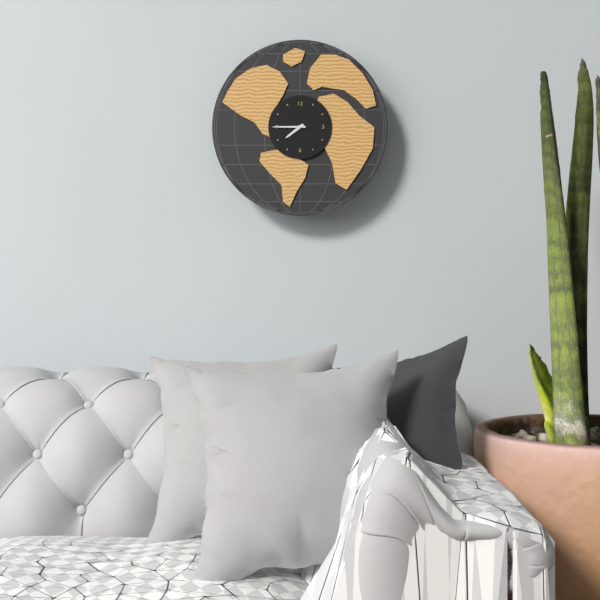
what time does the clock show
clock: 7:45
